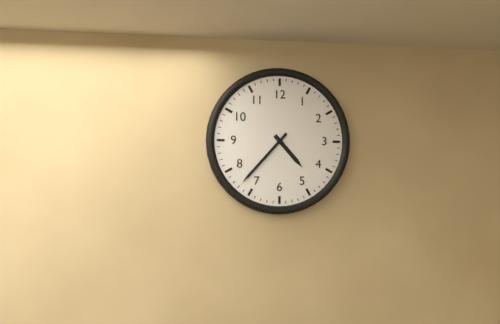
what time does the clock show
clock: 4:37
